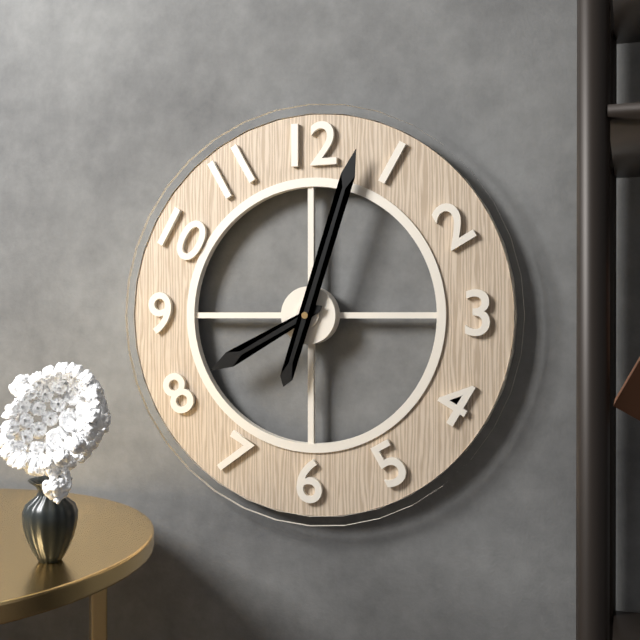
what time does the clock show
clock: 8:03
